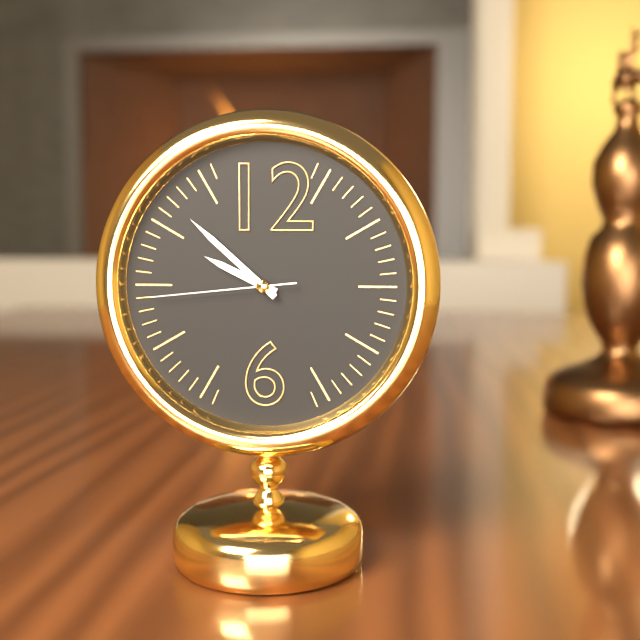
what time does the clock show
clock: 9:52:44
